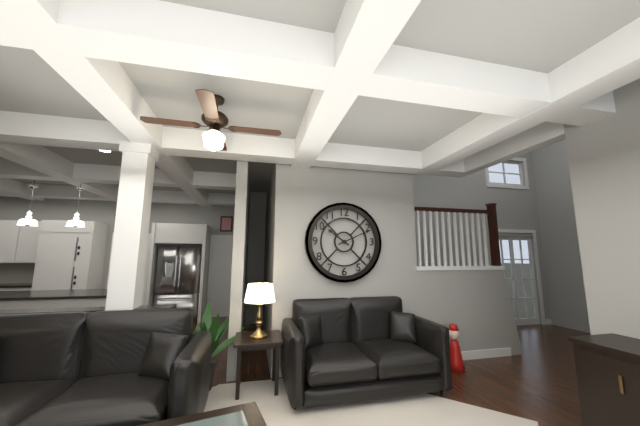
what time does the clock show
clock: 10:11
